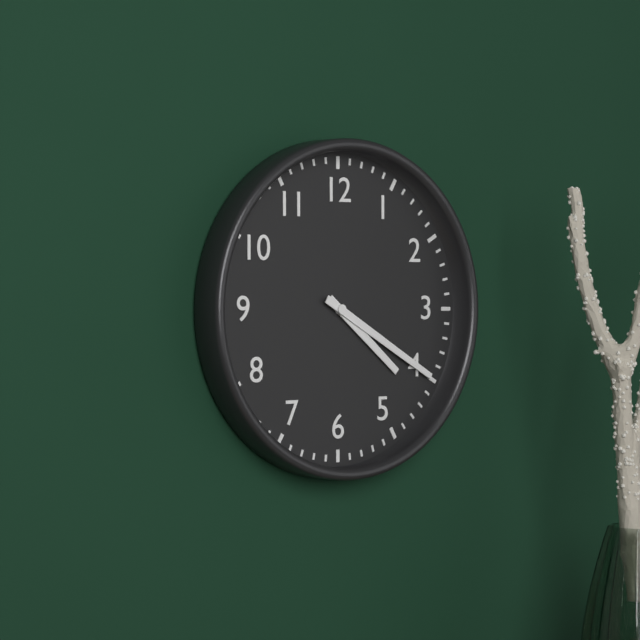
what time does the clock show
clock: 4:20
